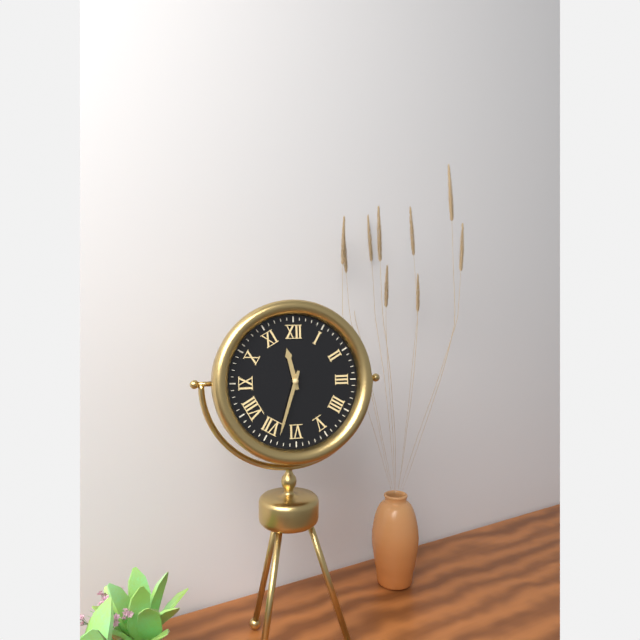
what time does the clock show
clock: 11:33
